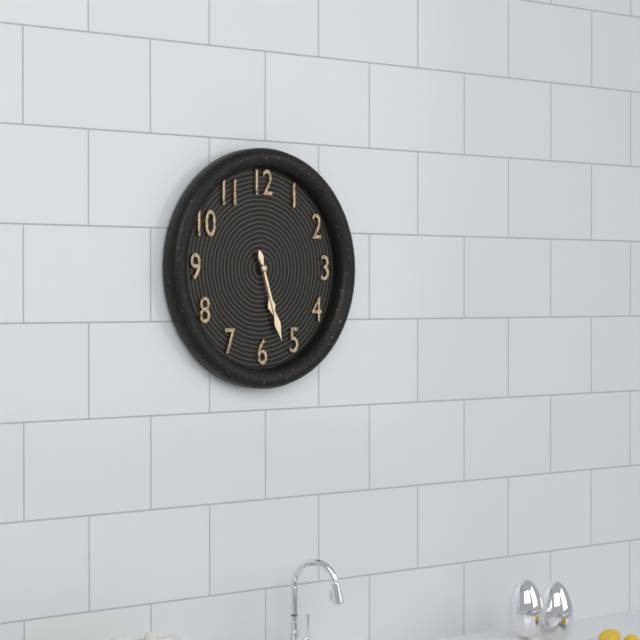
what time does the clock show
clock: 5:27
